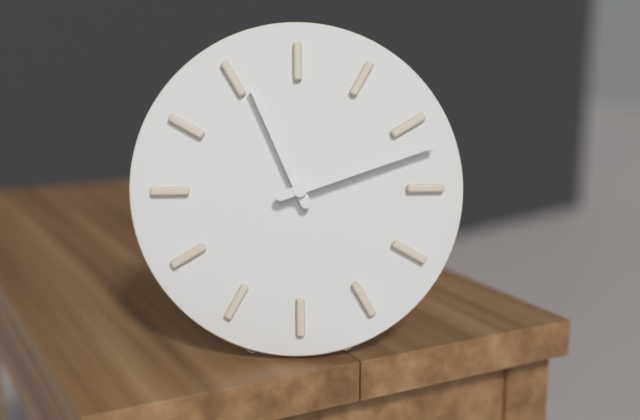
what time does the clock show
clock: 11:12
